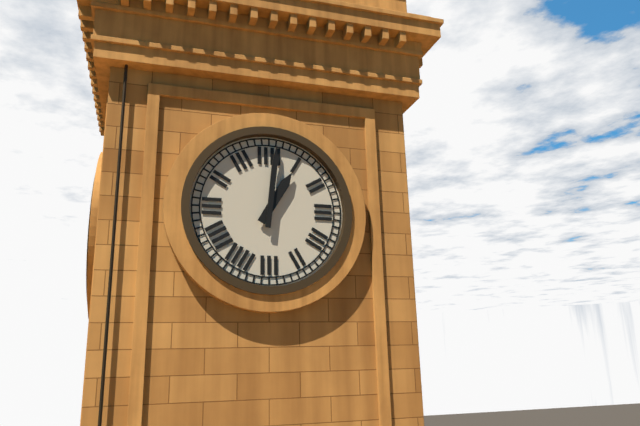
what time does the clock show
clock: 1:01
